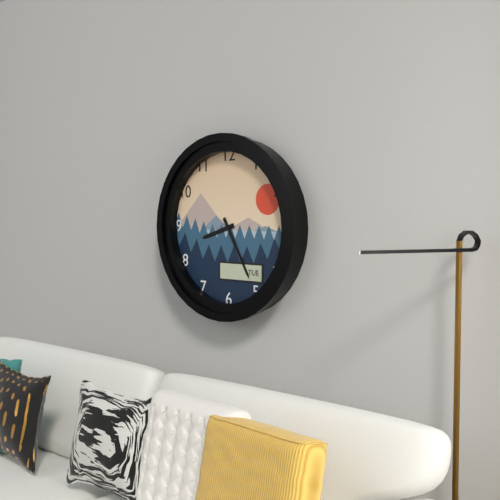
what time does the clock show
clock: 8:25
